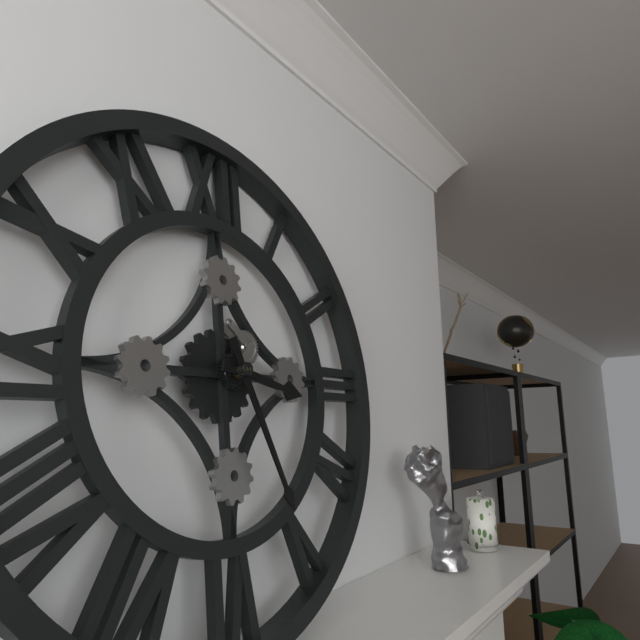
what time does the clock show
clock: 3:26
